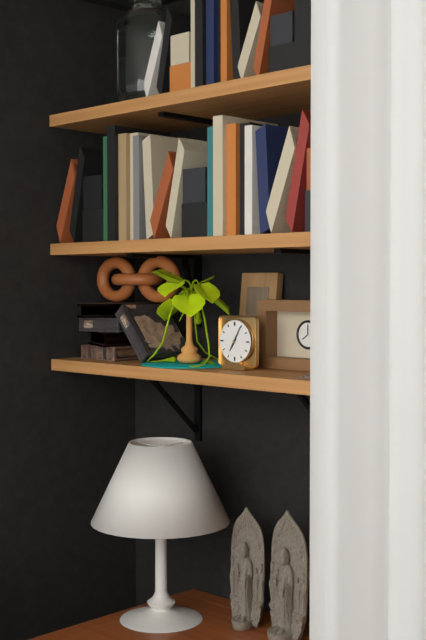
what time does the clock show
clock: 7:05
